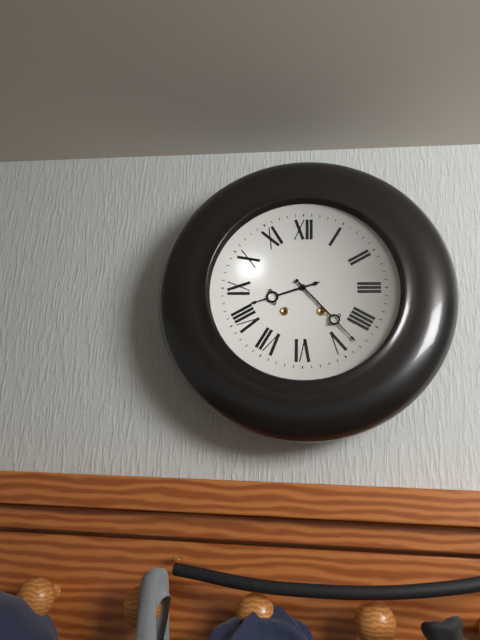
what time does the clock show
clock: 8:23
